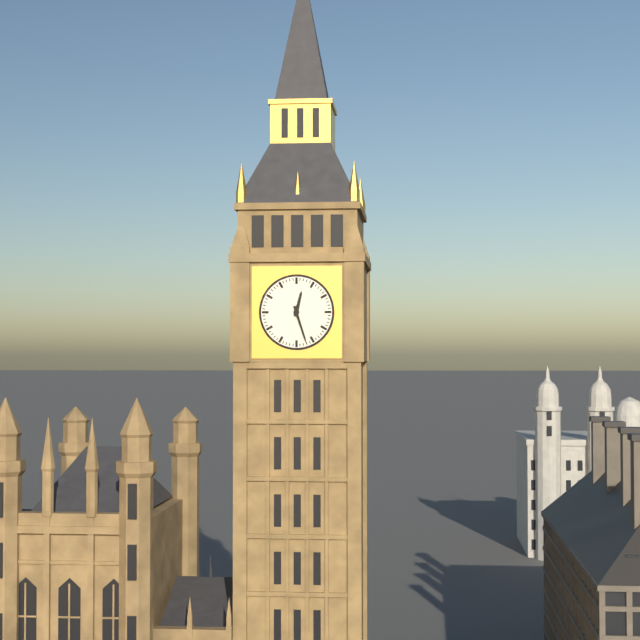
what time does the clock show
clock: 12:27
